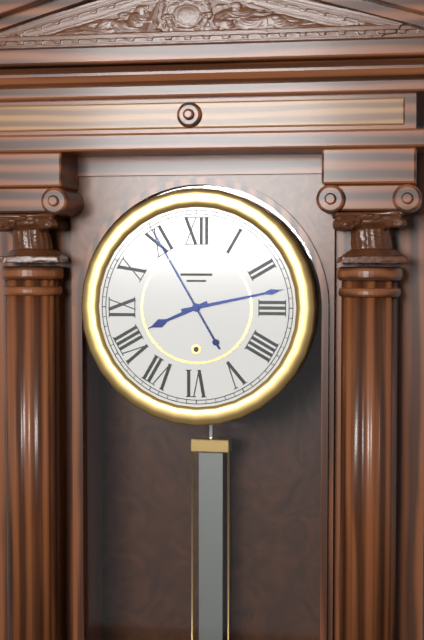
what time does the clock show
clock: 8:13:55
